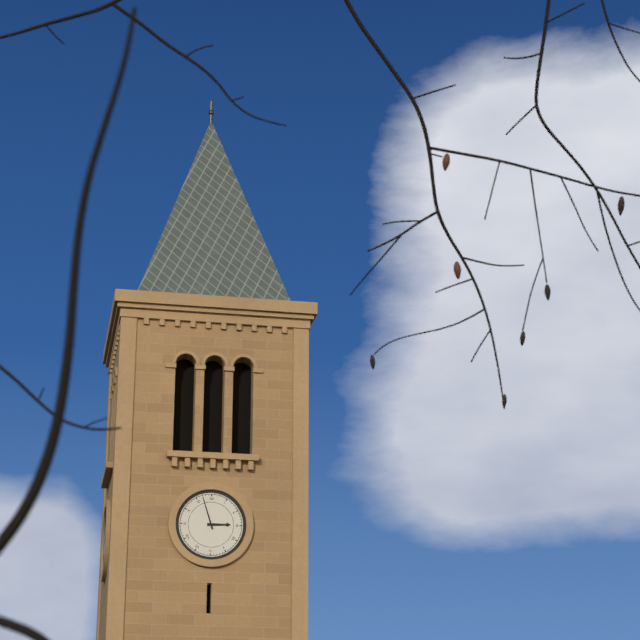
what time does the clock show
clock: 2:57
